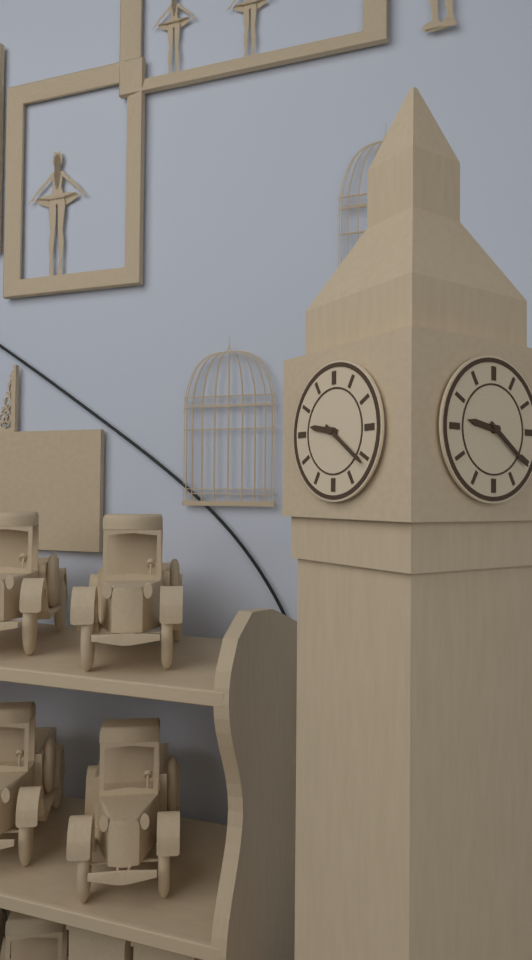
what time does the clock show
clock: 9:21
